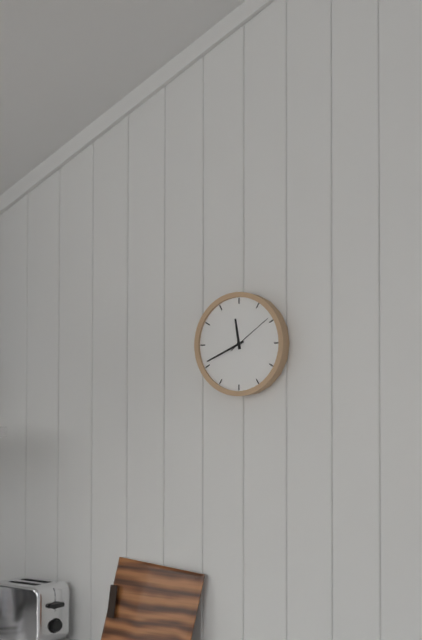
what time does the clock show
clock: 11:41
